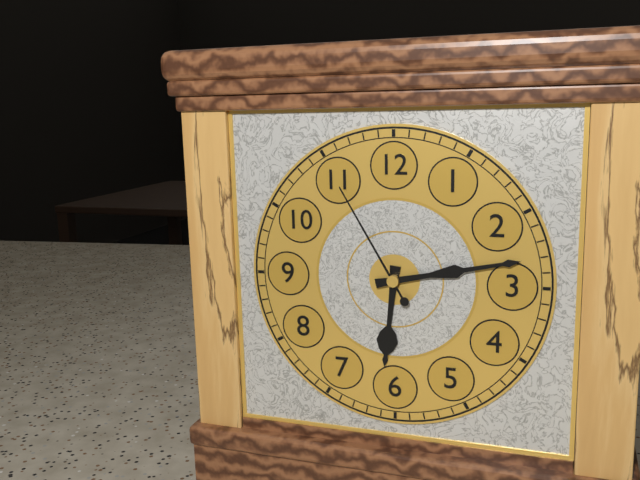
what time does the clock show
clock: 6:13:55
